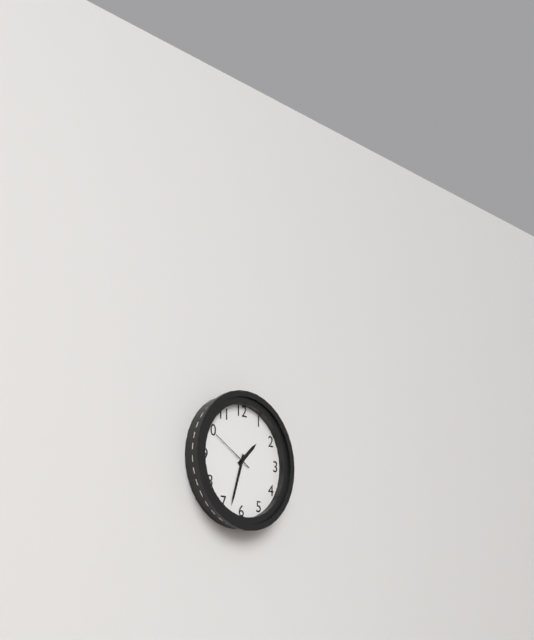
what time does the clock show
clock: 1:33
